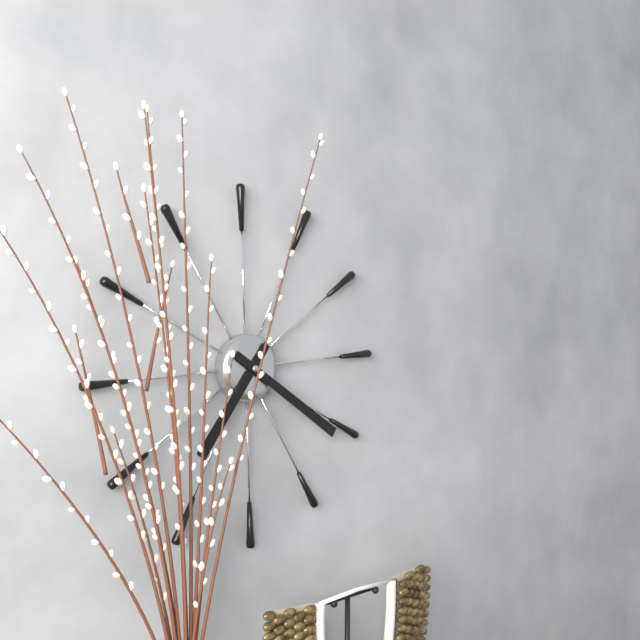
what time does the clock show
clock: 7:21
